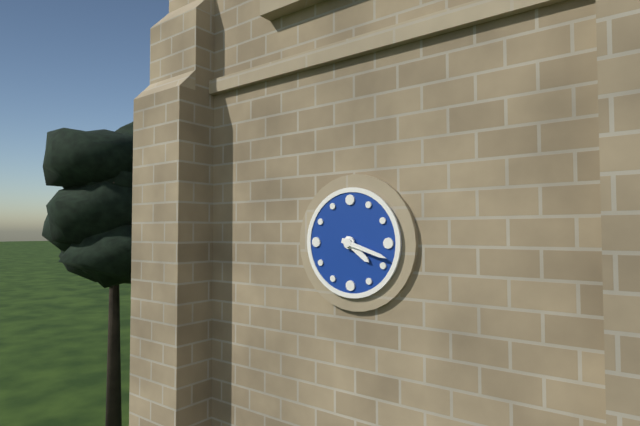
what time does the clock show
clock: 4:18
